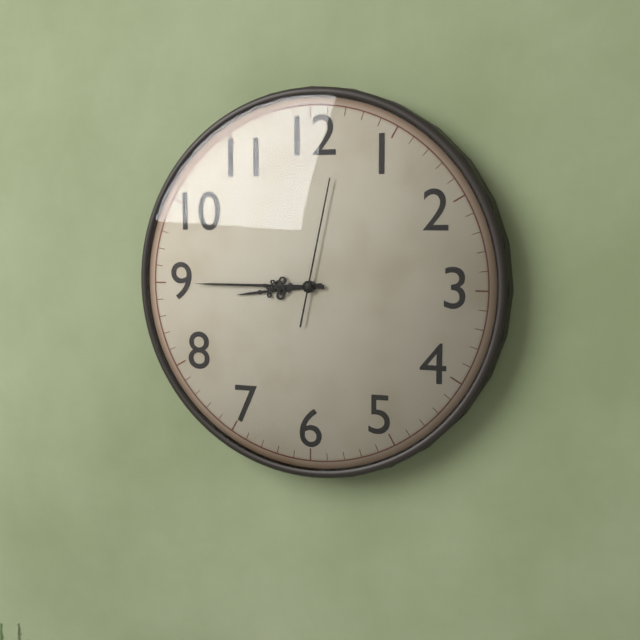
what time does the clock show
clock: 8:45:02
